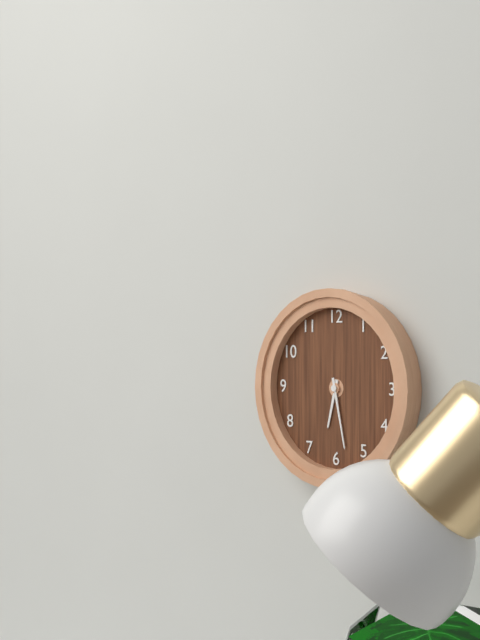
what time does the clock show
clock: 6:28
